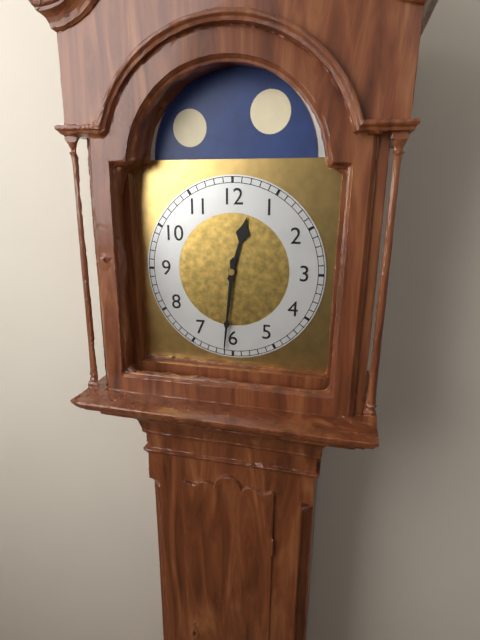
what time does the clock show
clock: 12:31
